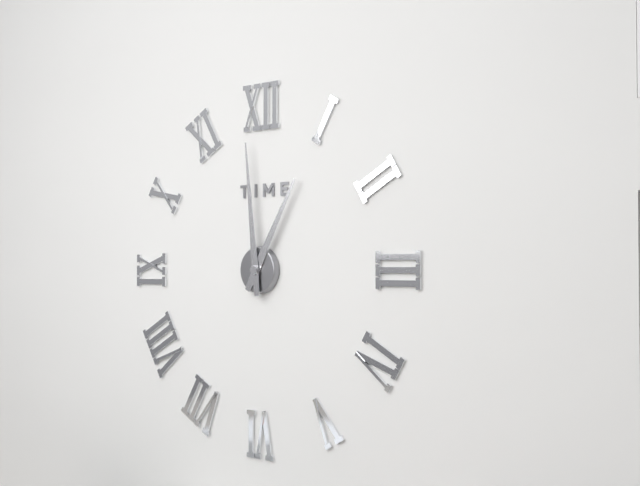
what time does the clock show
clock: 12:59
